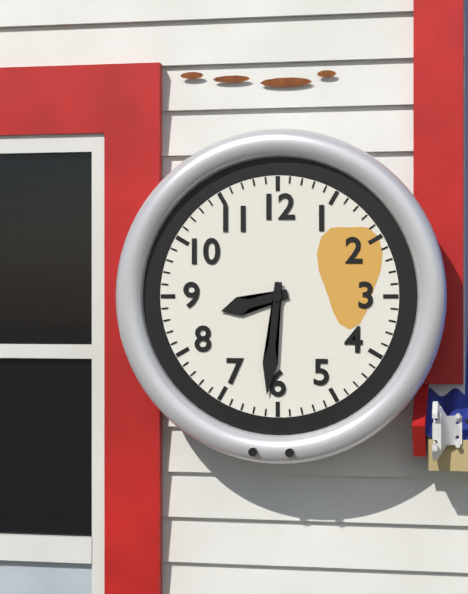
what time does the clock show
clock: 8:31
